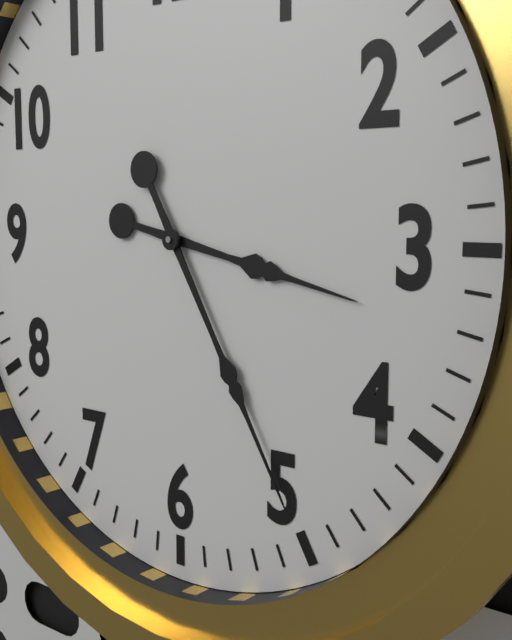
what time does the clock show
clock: 3:25
